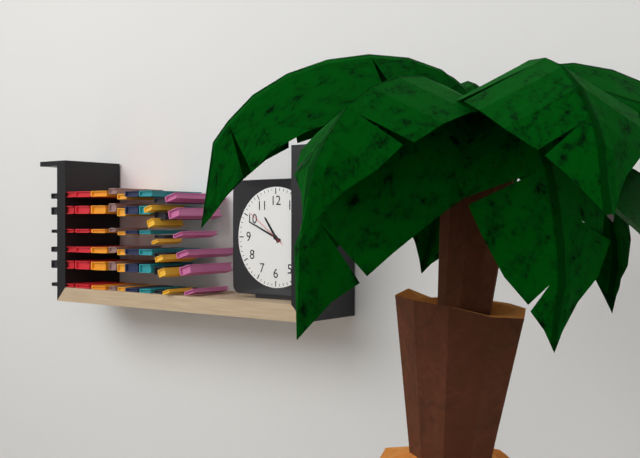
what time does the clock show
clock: 10:49
